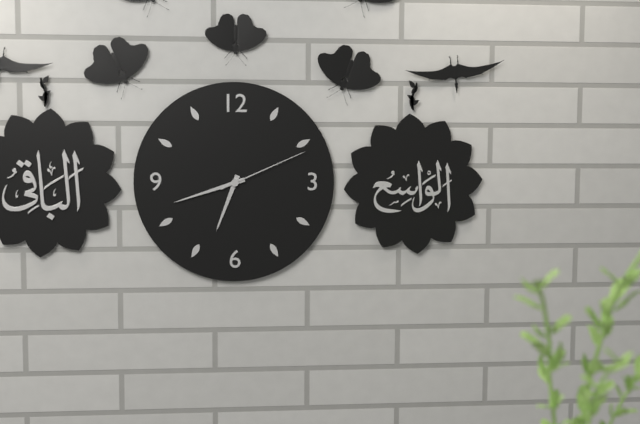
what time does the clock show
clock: 6:42:11
